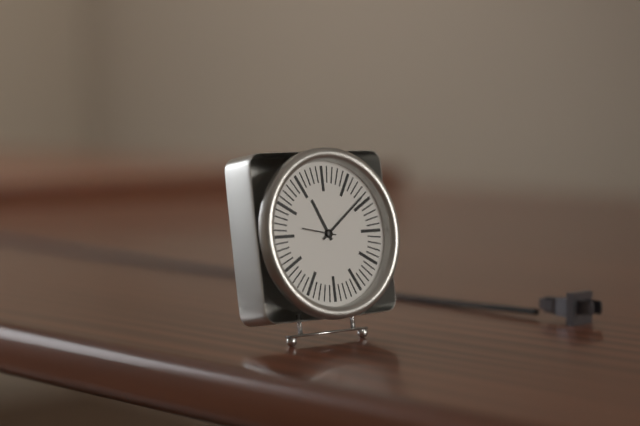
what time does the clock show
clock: 11:09
